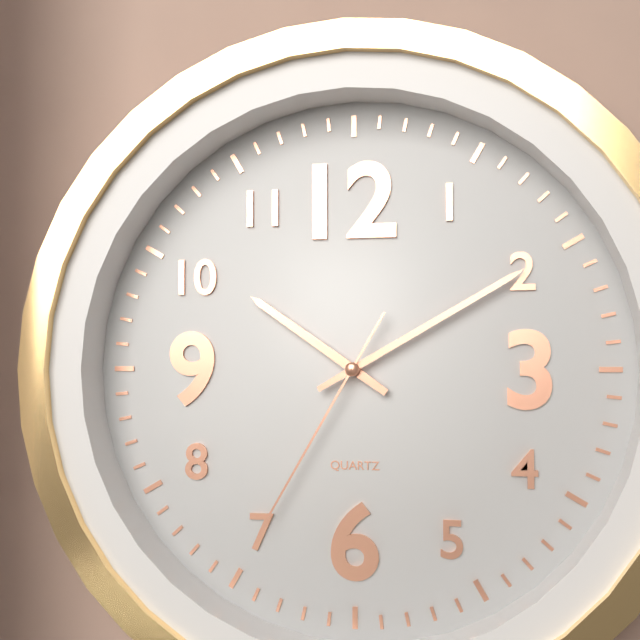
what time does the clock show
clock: 10:10:35
